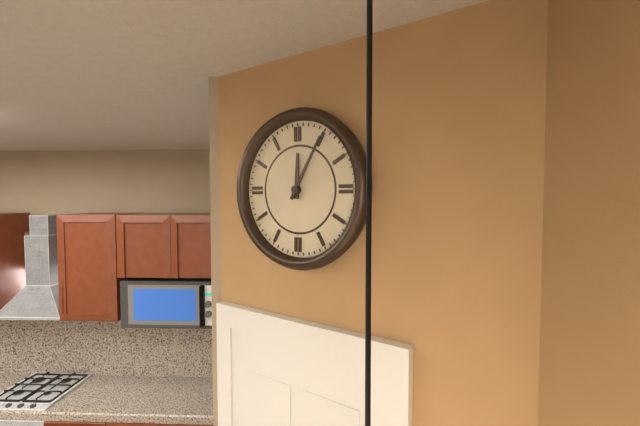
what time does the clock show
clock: 12:05
